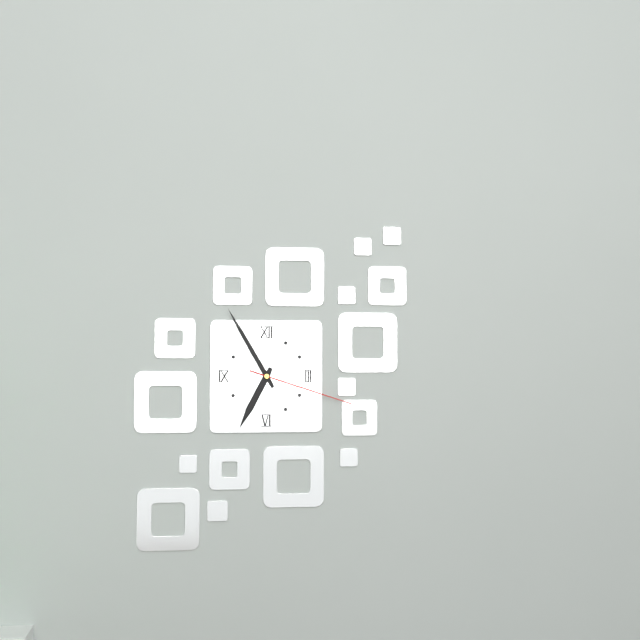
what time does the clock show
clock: 6:55:18
